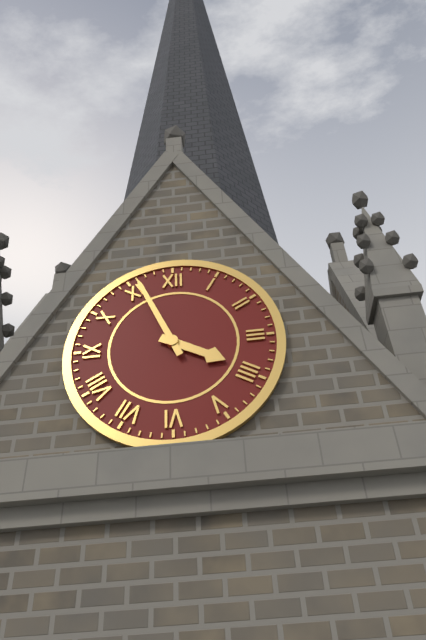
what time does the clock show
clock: 3:56
